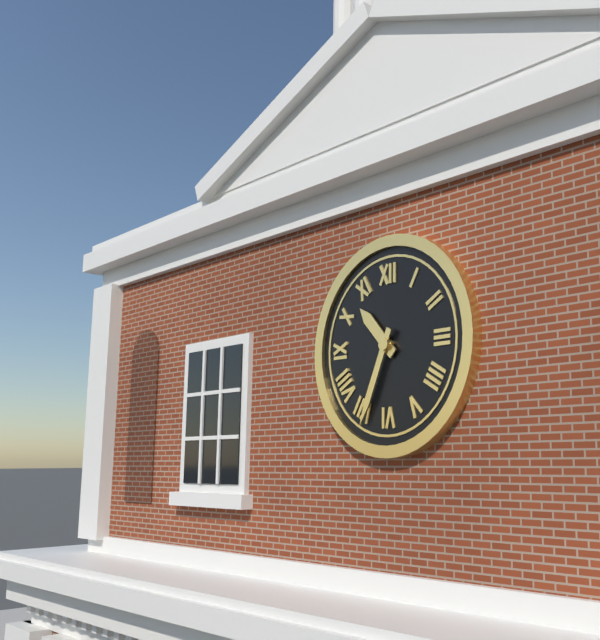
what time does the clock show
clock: 10:34
